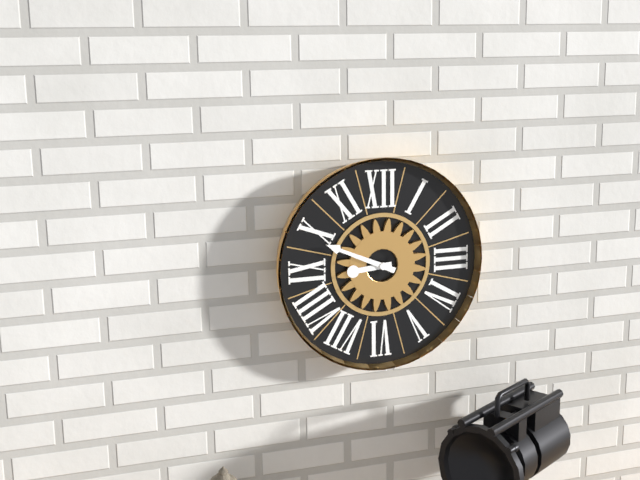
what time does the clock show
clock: 8:49
